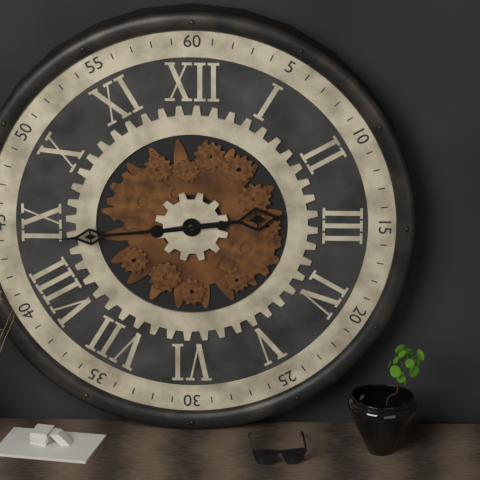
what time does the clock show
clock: 2:44
